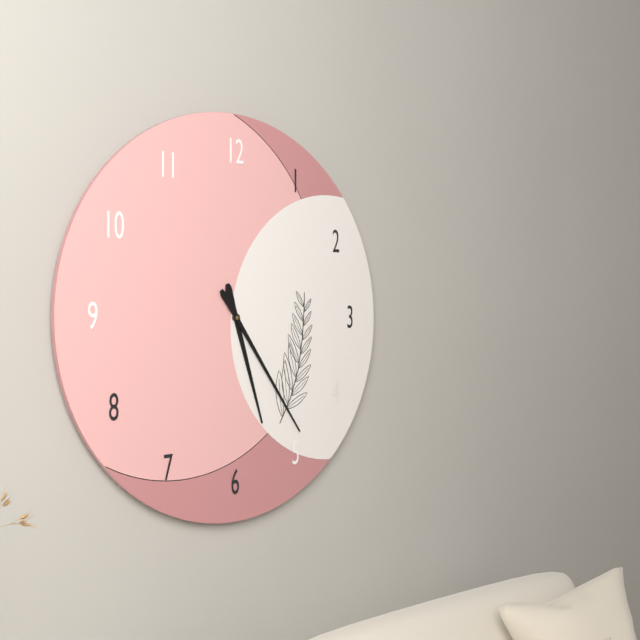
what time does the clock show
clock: 5:24
